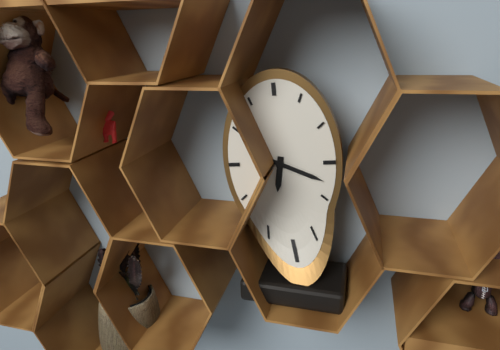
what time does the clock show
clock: 6:19
